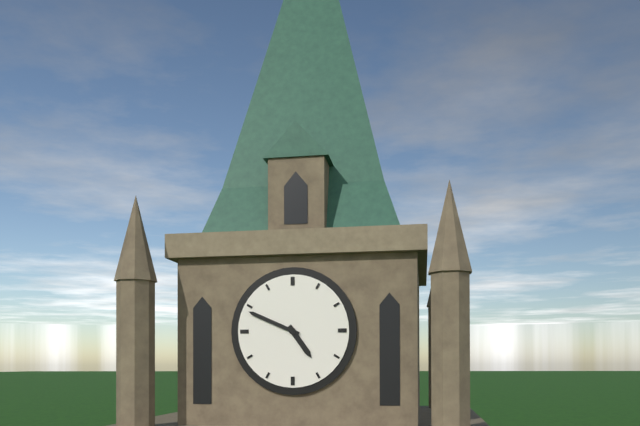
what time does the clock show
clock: 4:49
